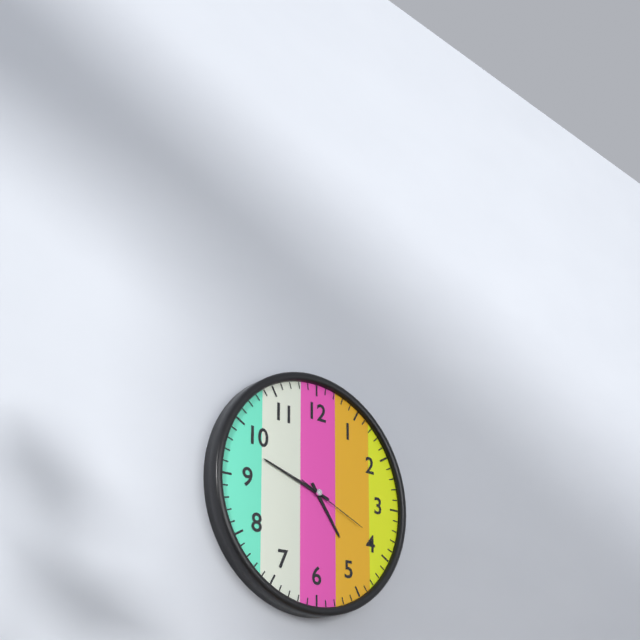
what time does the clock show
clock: 4:48:19
